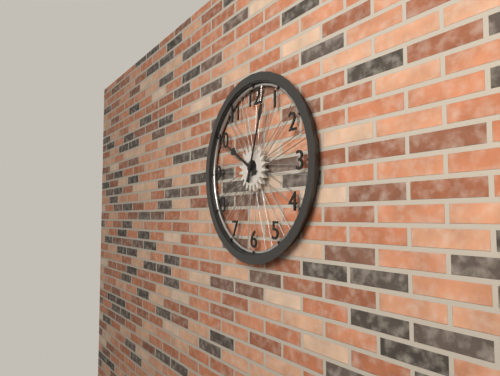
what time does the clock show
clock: 10:03
